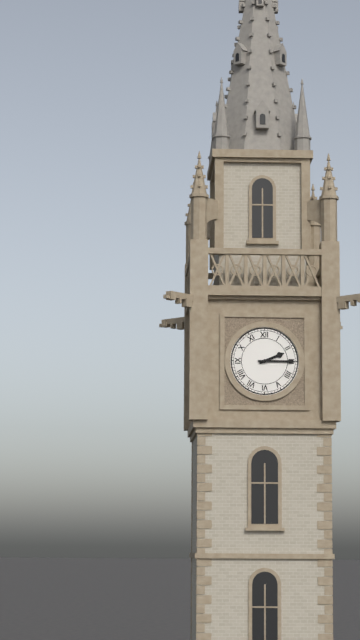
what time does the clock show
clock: 2:15
